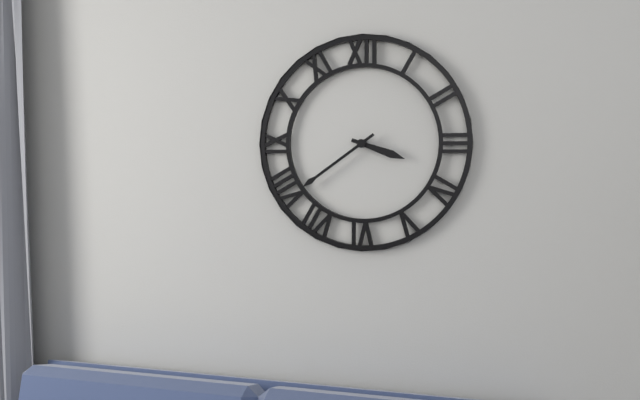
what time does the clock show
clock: 3:39
